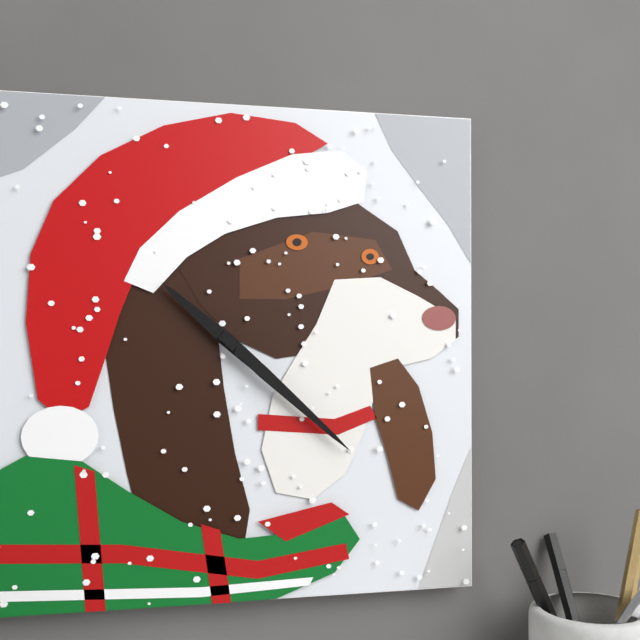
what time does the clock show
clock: 10:22
